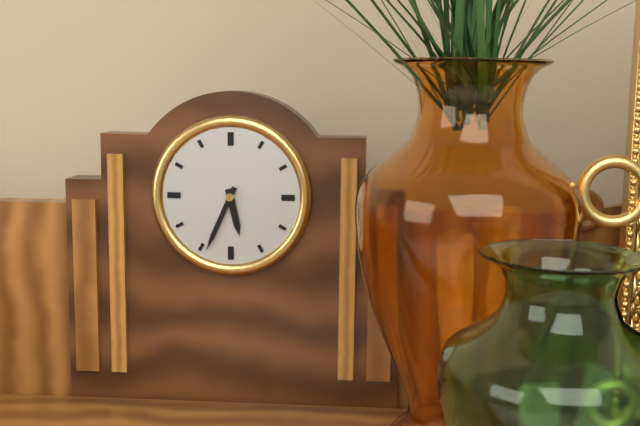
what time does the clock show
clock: 5:34
